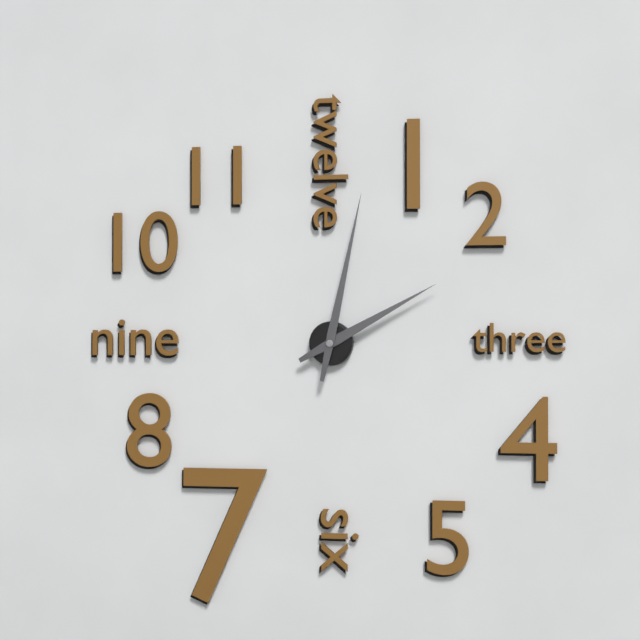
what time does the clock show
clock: 2:02
